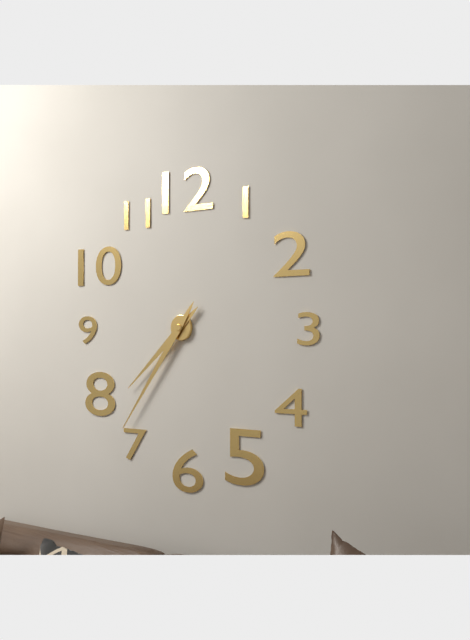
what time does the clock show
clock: 7:36
